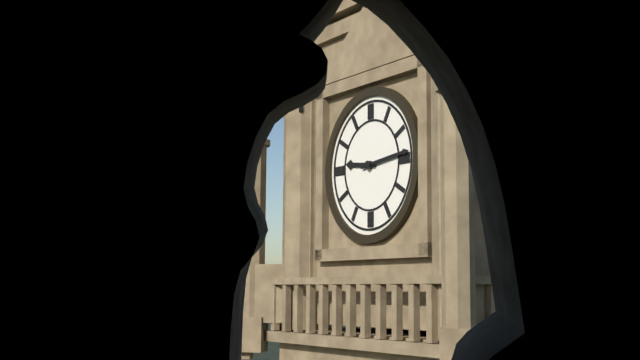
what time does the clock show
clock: 9:14
